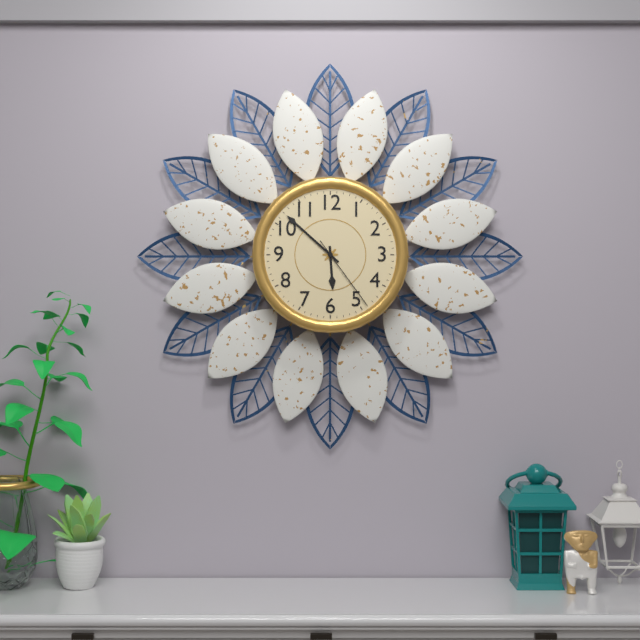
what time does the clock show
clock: 5:52:24
